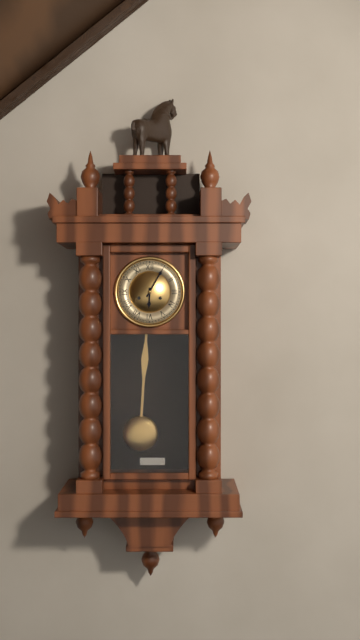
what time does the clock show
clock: 6:05
